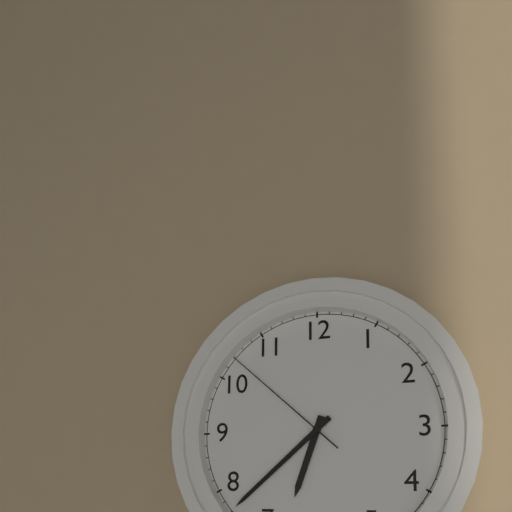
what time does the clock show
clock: 6:38:52
